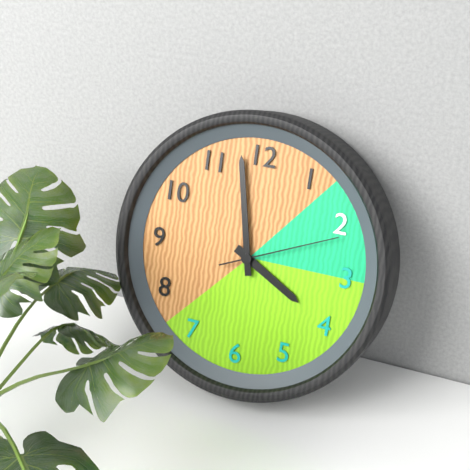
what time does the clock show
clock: 3:58:11
